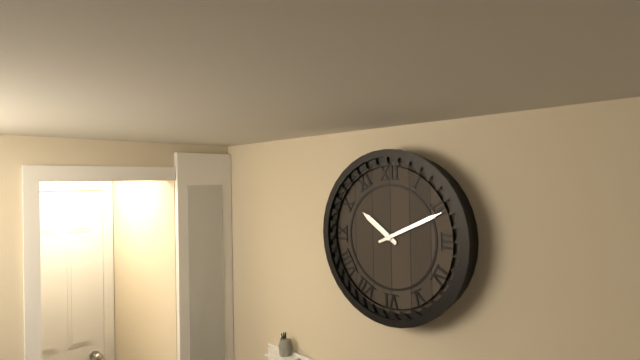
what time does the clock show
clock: 10:11
